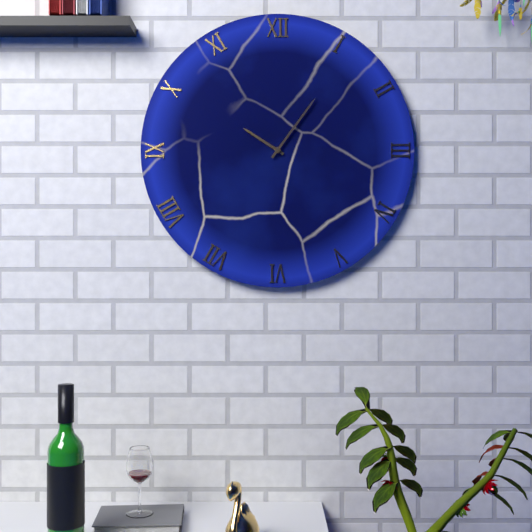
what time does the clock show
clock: 10:06
